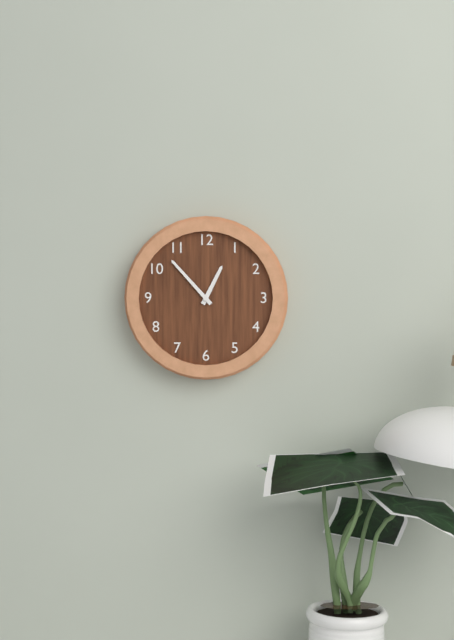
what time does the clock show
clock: 12:53
